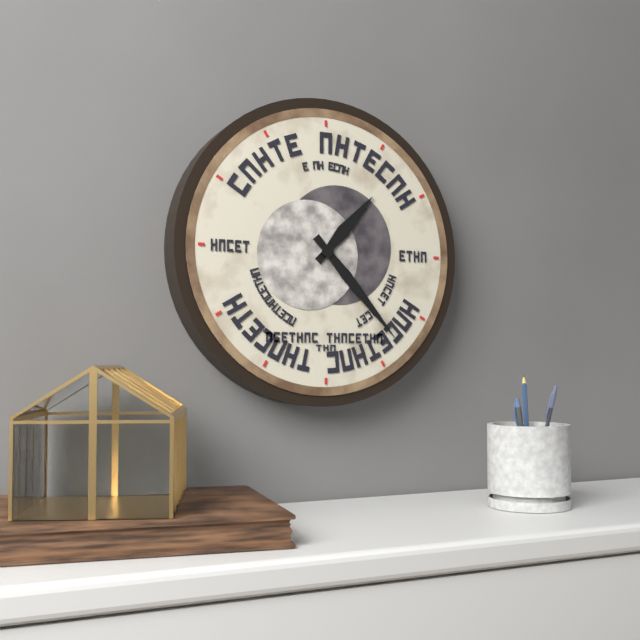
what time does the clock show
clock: 1:23
